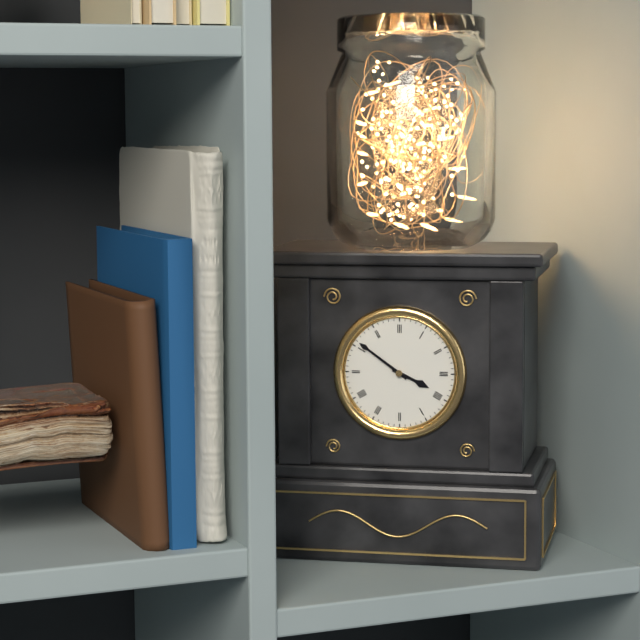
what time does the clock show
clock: 3:51
